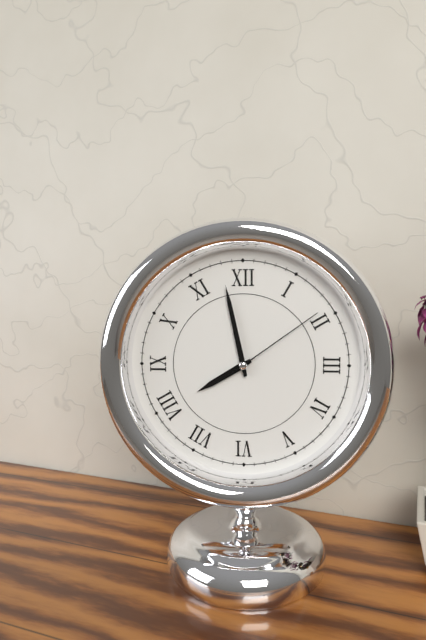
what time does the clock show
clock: 7:58:09
